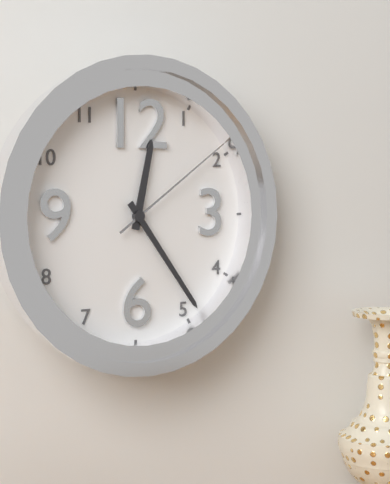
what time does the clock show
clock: 12:24:09
